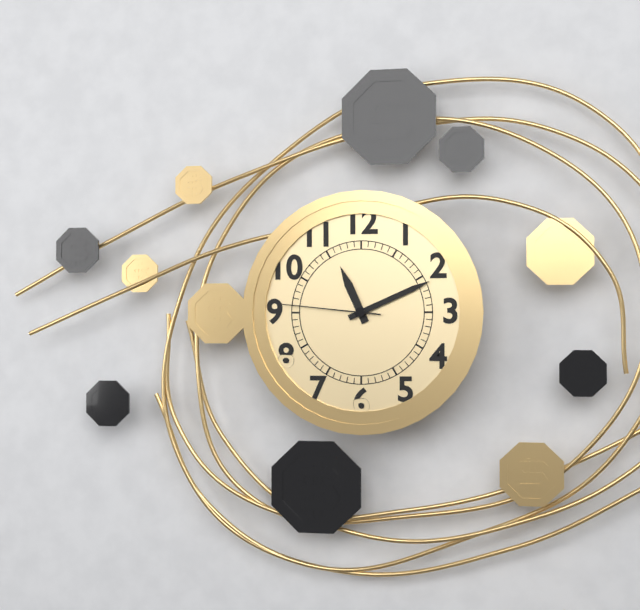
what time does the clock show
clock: 11:11:46
